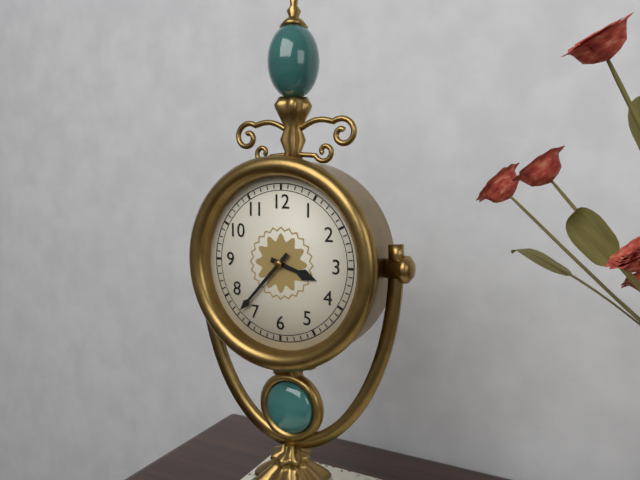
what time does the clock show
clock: 3:37
